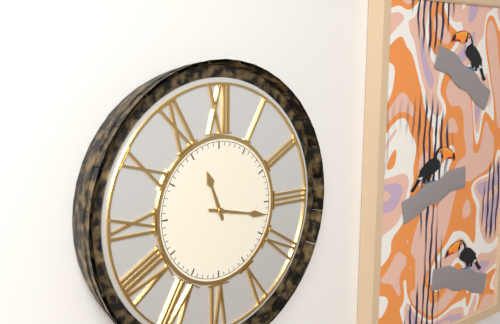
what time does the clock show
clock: 11:17
